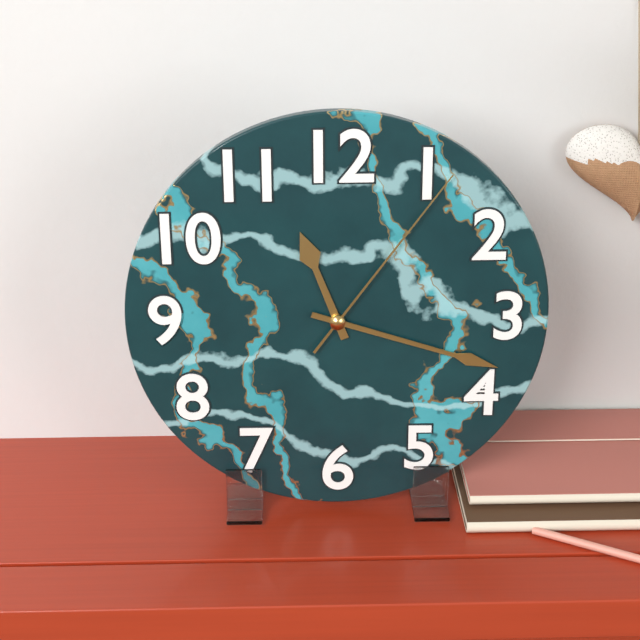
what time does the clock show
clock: 11:18:06
